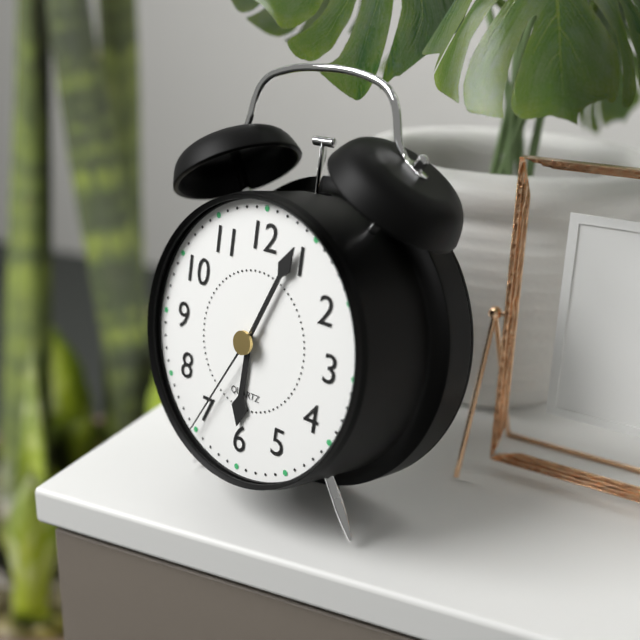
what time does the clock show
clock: 6:04:35
